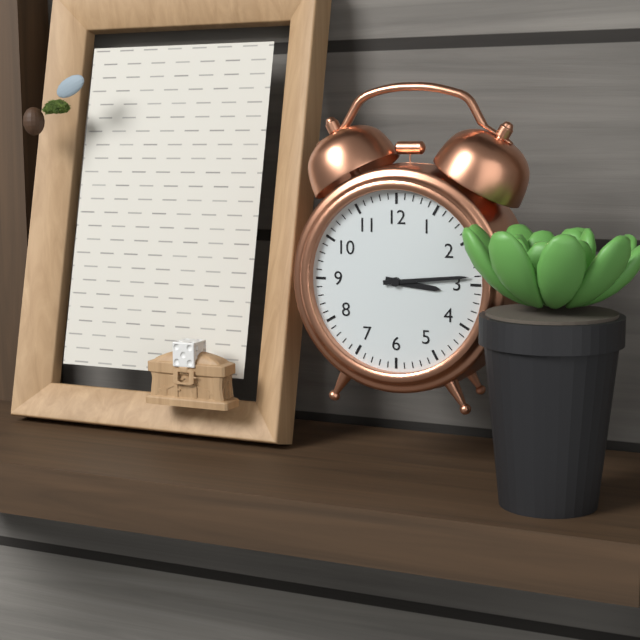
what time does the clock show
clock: 3:14
